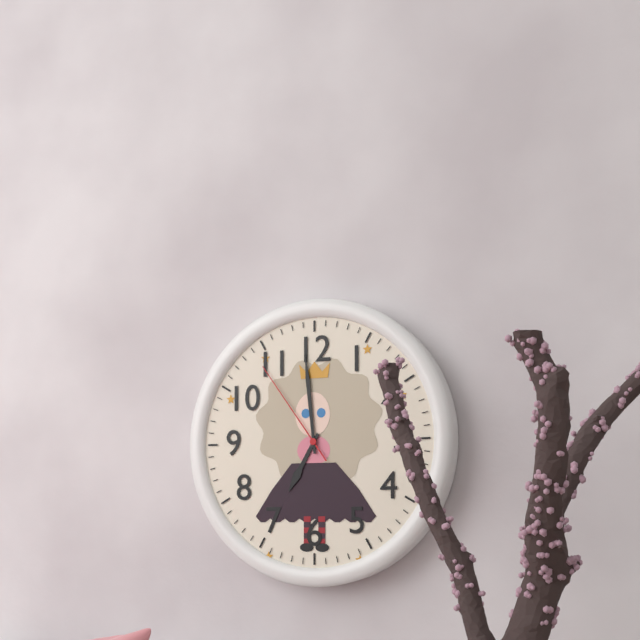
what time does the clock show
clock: 6:59:54
